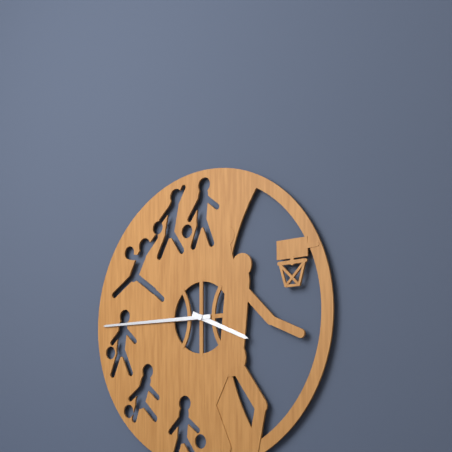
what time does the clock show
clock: 3:45
